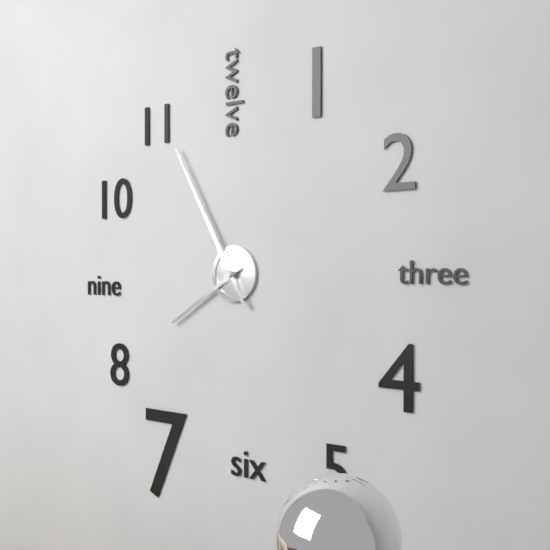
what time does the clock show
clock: 7:55
